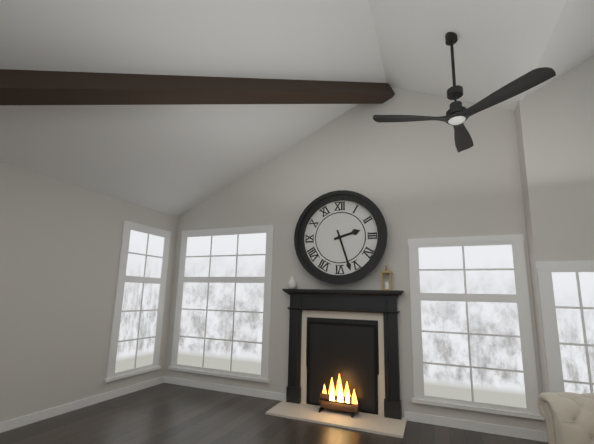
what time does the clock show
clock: 2:27
